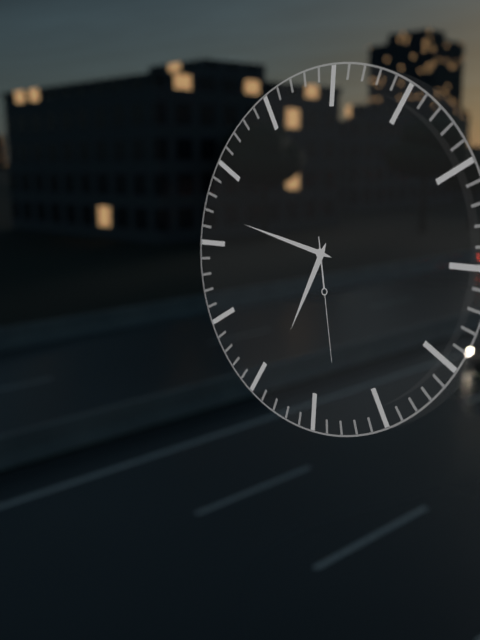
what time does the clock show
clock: 6:47:28
